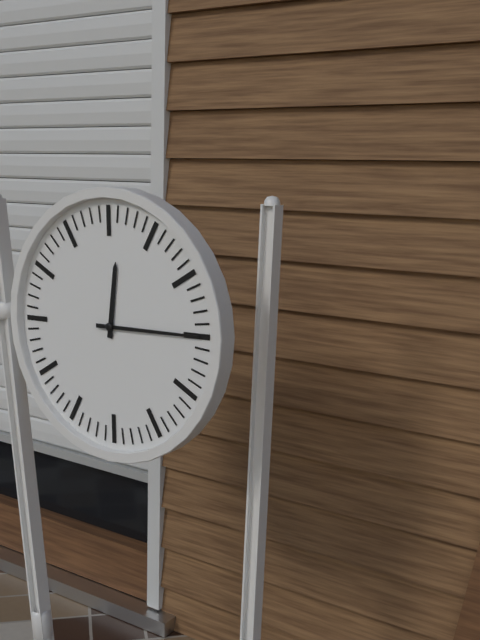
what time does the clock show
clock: 12:15
